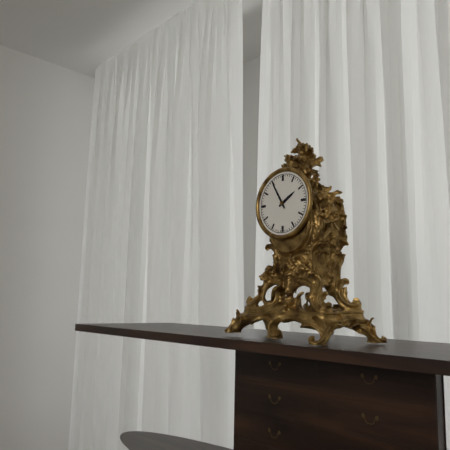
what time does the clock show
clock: 1:55
